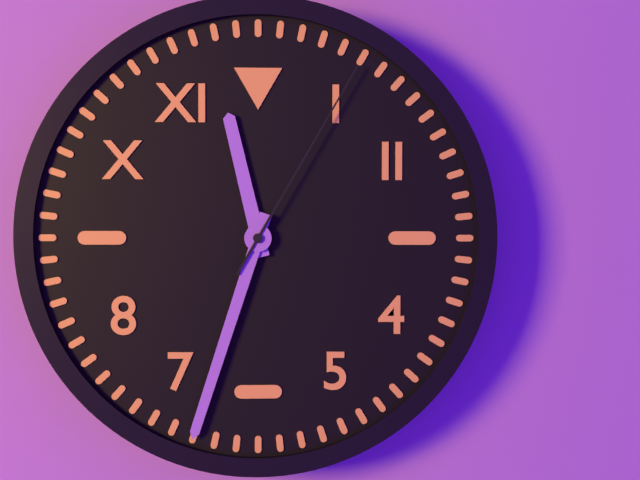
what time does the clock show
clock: 11:33:05
